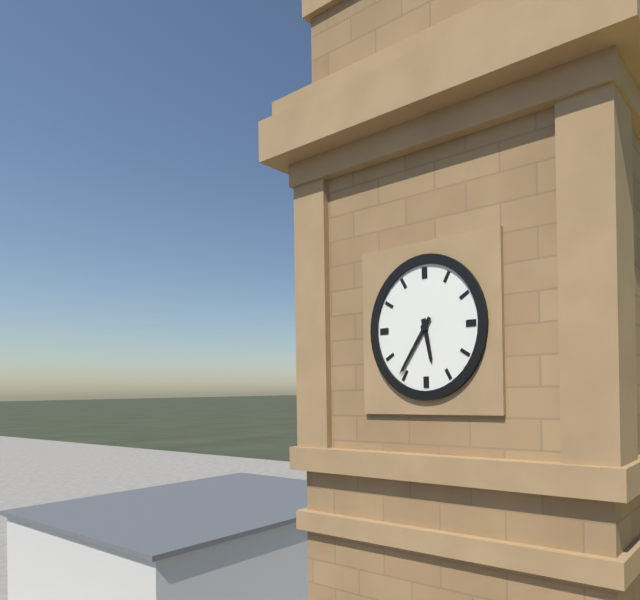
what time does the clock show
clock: 5:36
